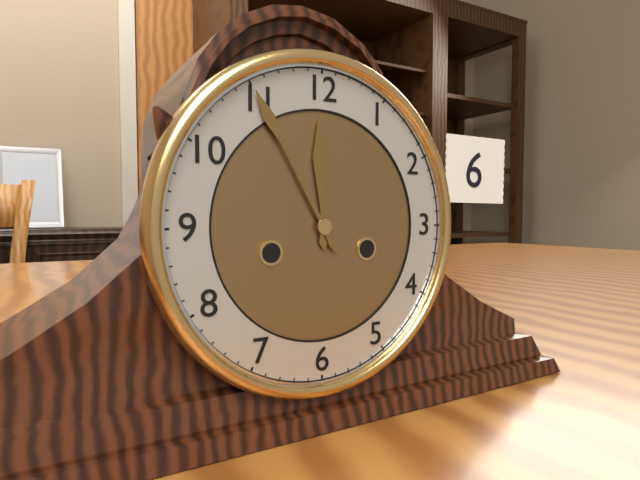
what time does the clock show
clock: 11:55
